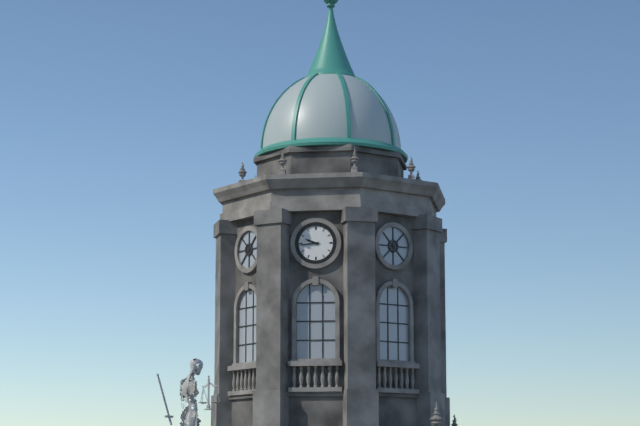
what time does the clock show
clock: 9:44
